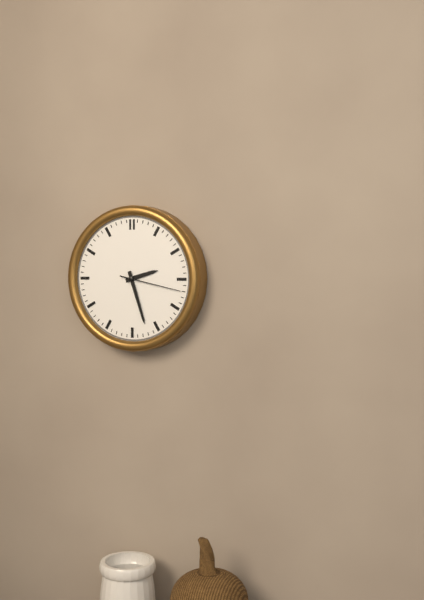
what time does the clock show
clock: 2:27:17
